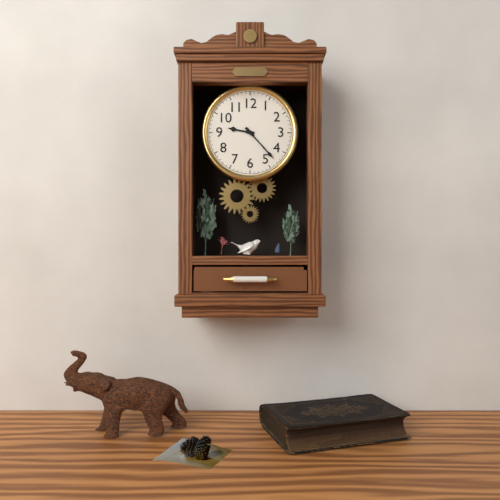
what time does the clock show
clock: 9:23
